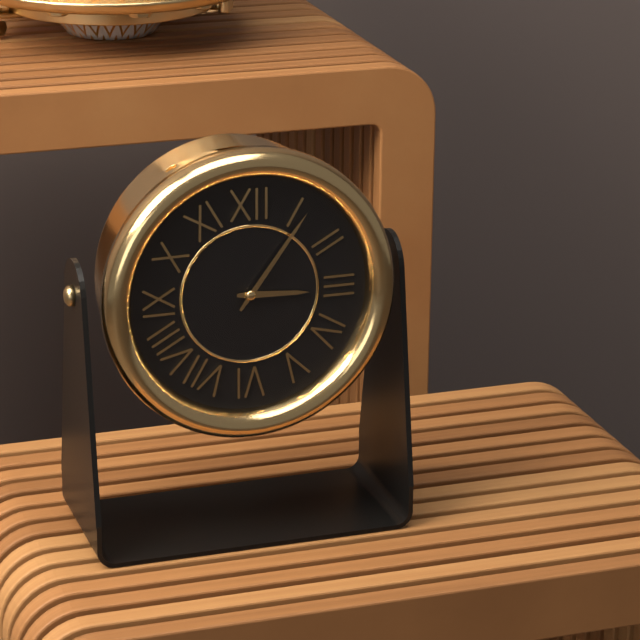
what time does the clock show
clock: 3:06
